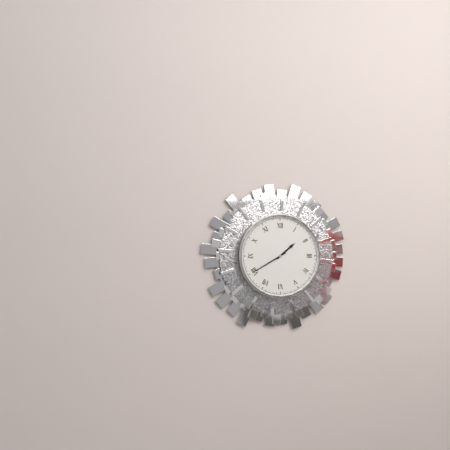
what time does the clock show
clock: 1:40
